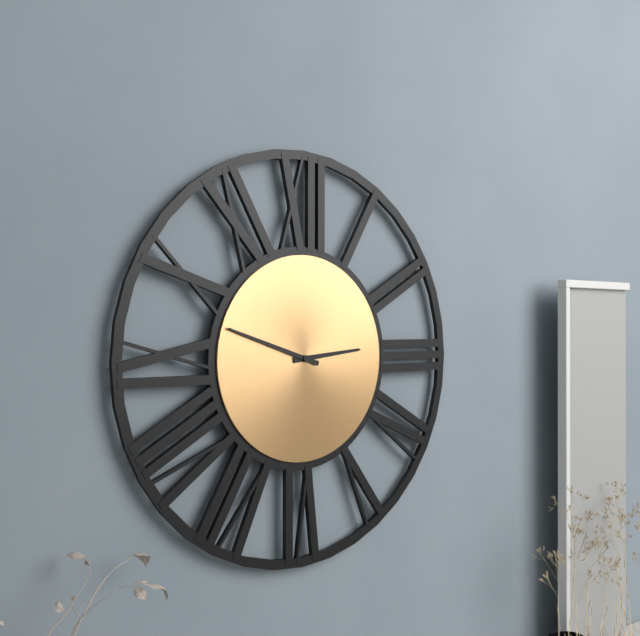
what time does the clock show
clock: 2:48
